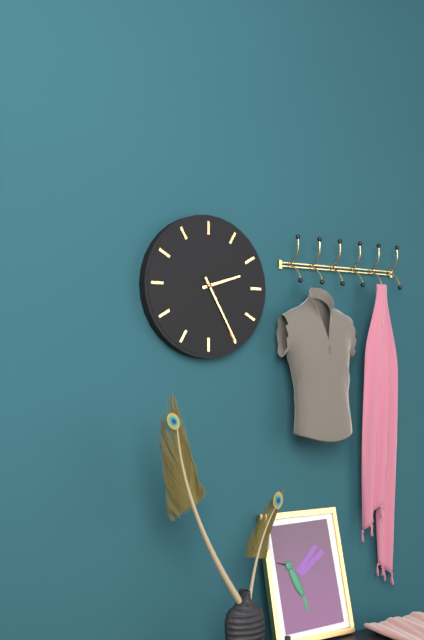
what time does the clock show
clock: 2:25
